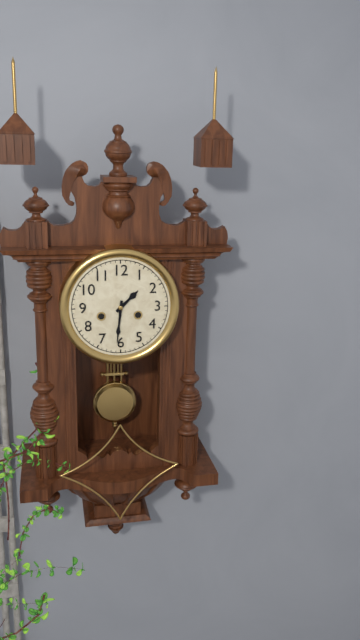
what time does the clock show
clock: 1:31
